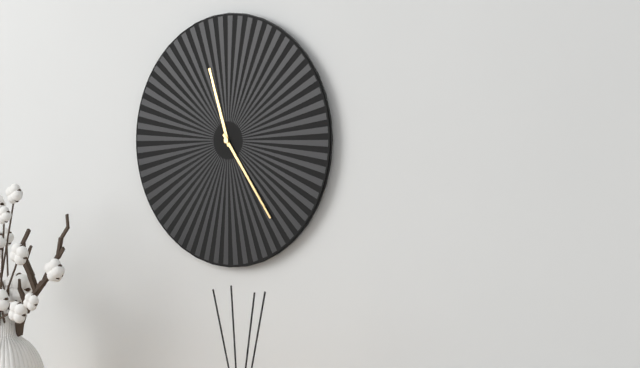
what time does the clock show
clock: 11:24
